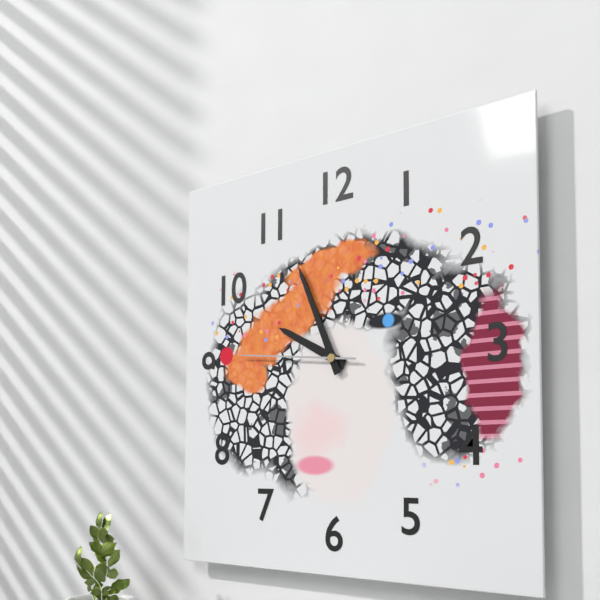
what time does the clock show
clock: 9:56:46
